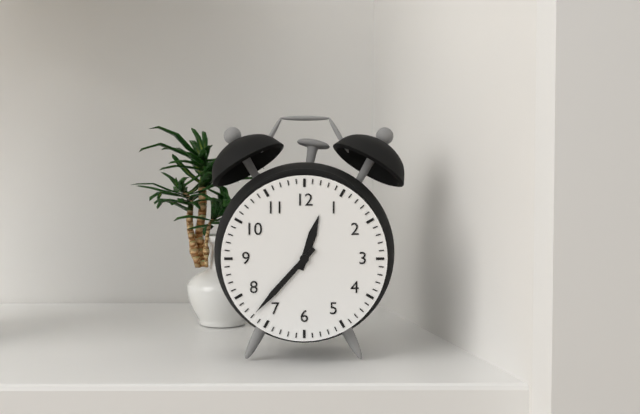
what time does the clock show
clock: 12:37
